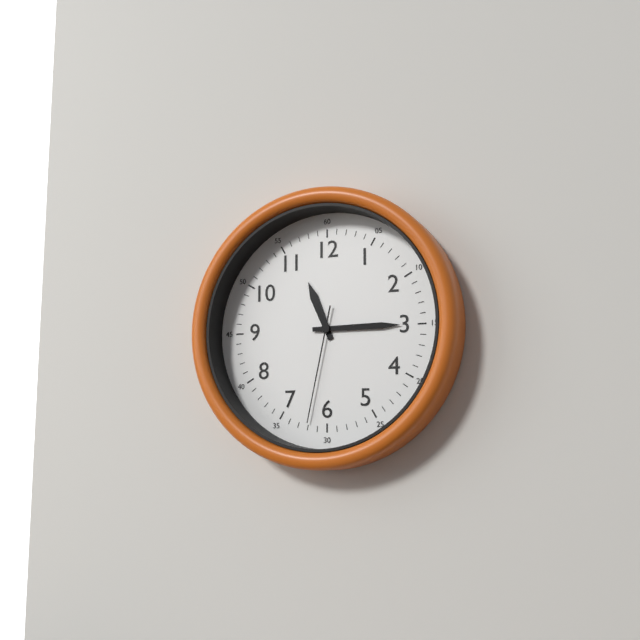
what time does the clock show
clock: 11:15:32
